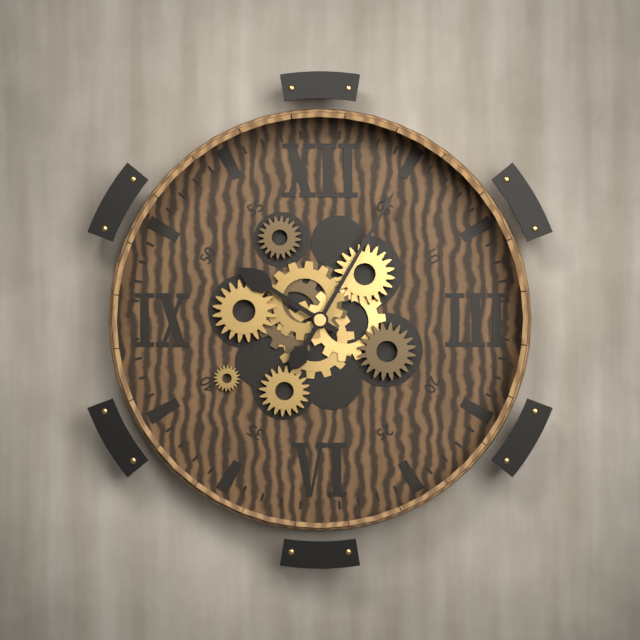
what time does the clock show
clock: 10:05
